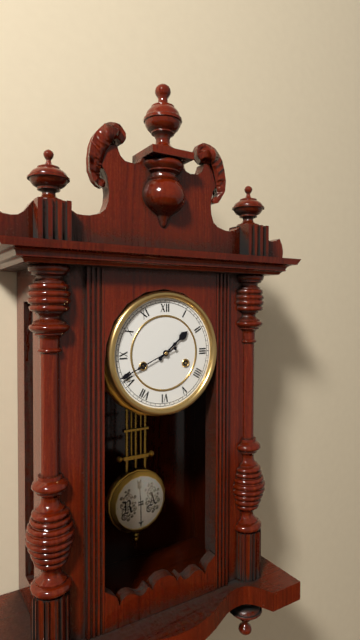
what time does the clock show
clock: 1:41
